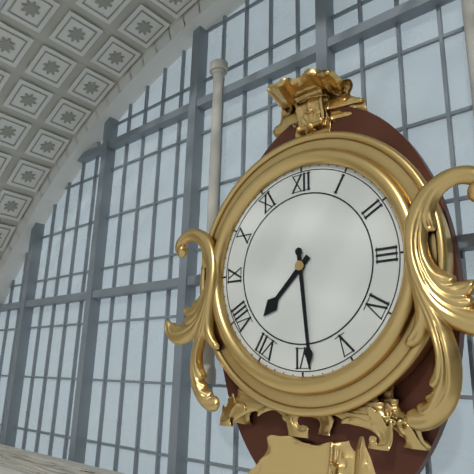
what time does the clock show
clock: 7:29
